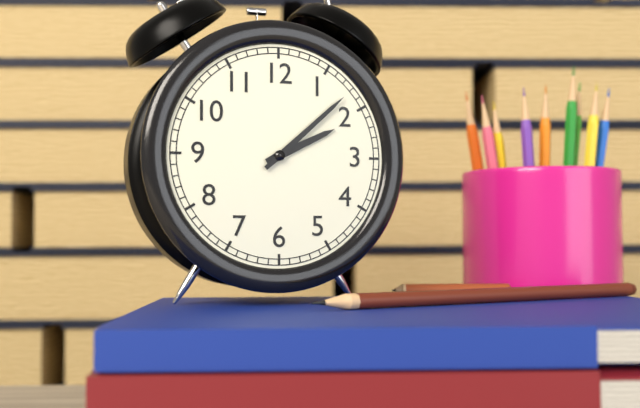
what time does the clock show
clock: 2:08
